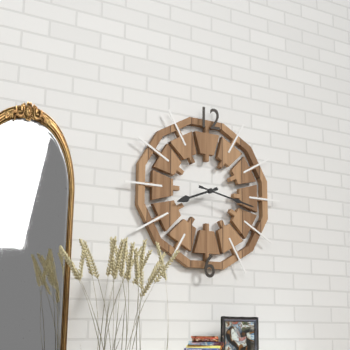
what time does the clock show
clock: 8:17
